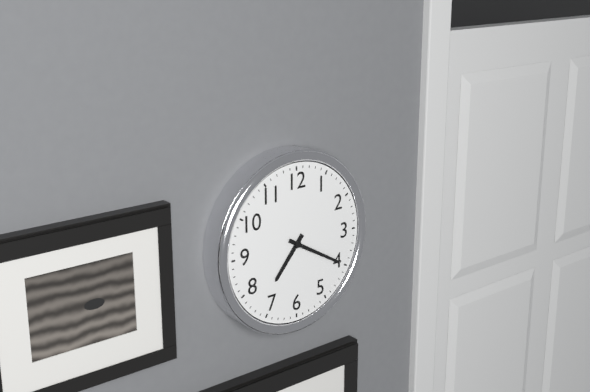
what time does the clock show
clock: 7:20
